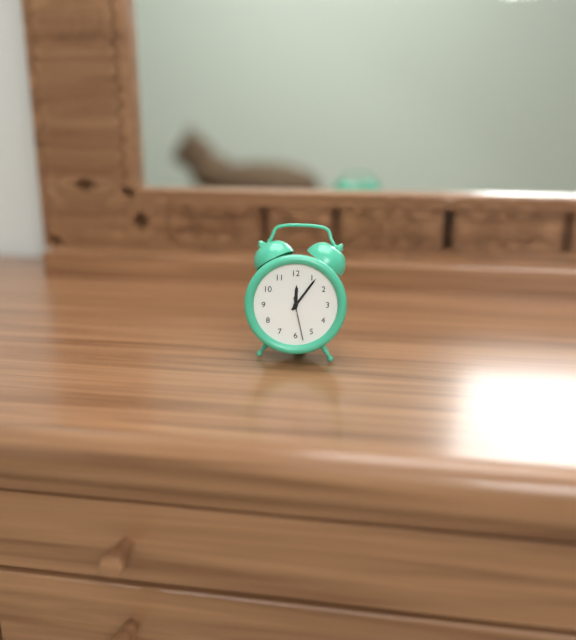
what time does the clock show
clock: 12:06
